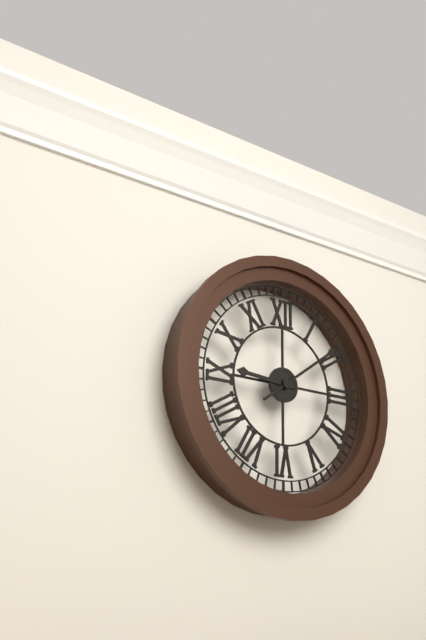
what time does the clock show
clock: 9:09
